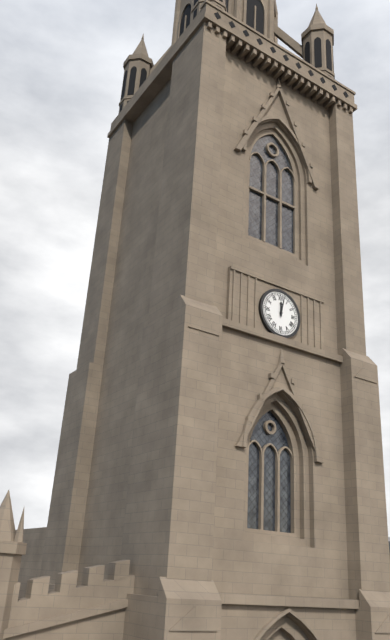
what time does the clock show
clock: 12:02
